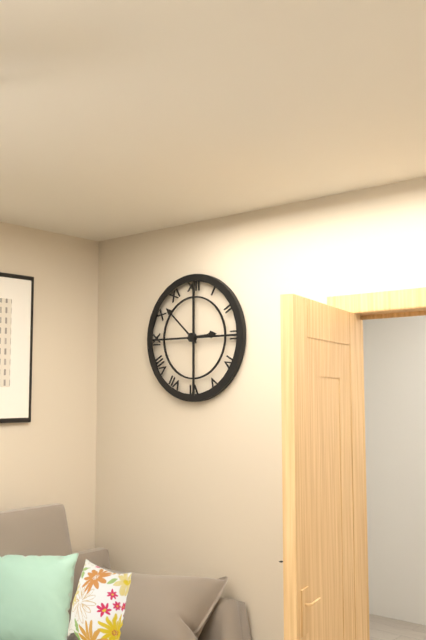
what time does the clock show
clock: 2:52
